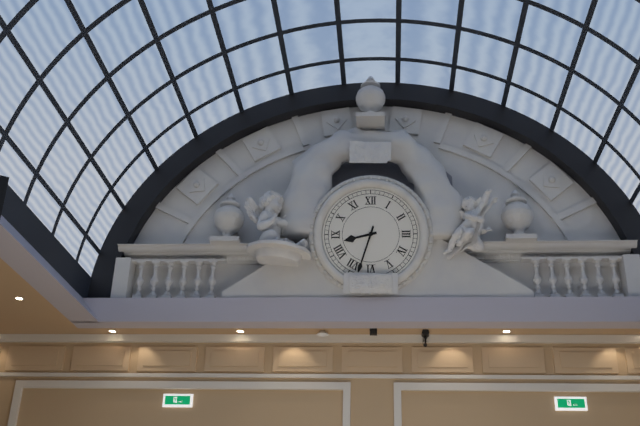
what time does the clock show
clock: 8:33
